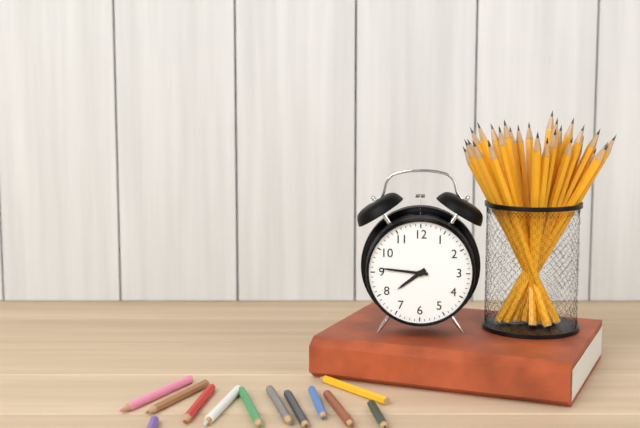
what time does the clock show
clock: 7:46
